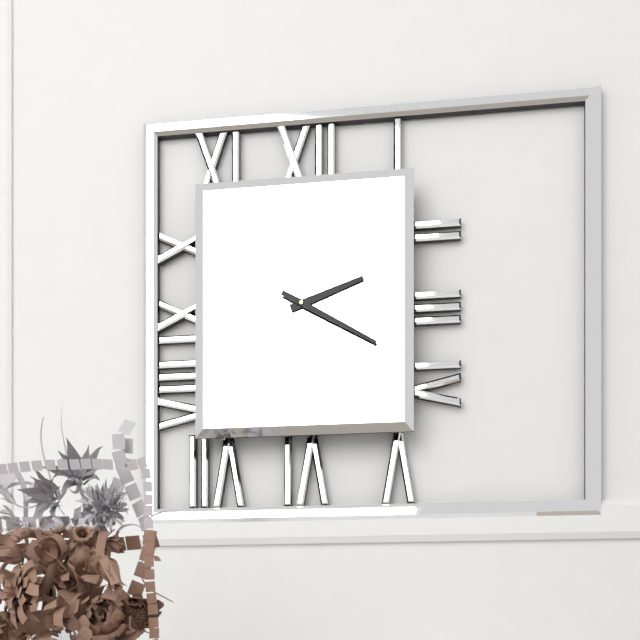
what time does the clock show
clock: 2:20
